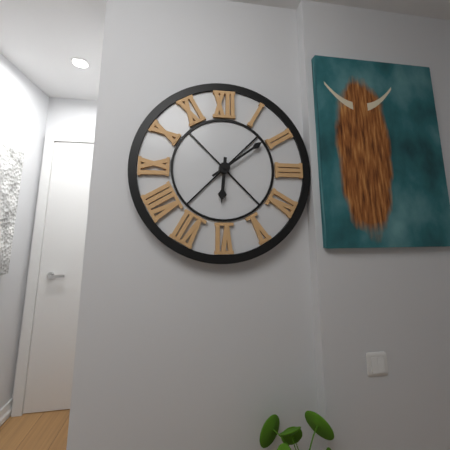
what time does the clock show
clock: 6:09
